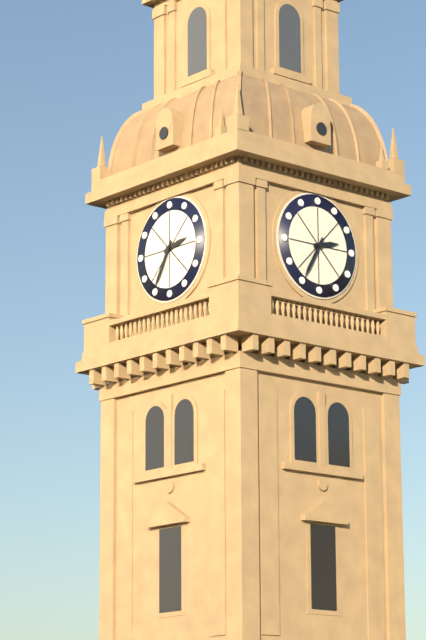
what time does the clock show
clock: 2:35
